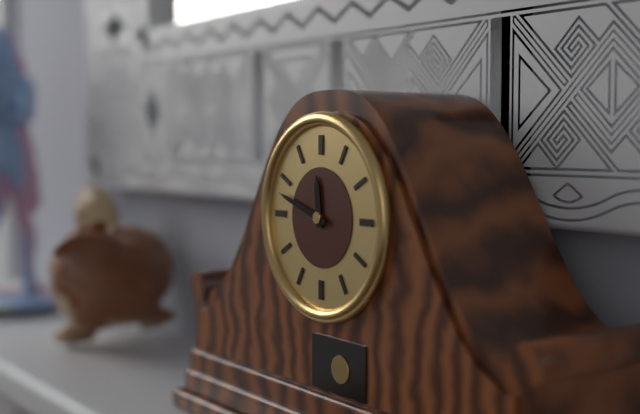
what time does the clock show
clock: 11:48
